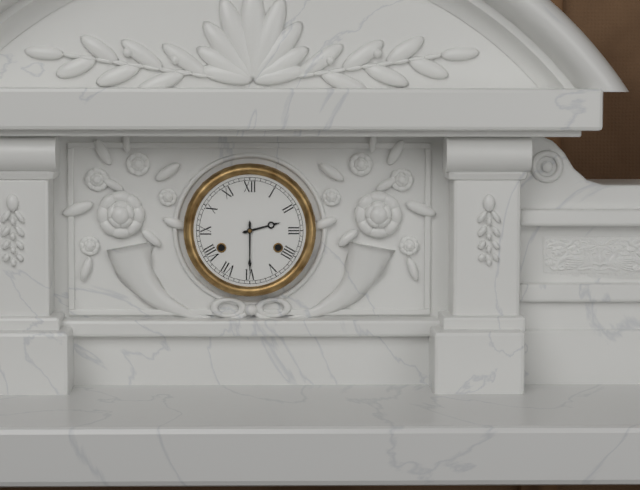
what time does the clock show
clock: 2:30
